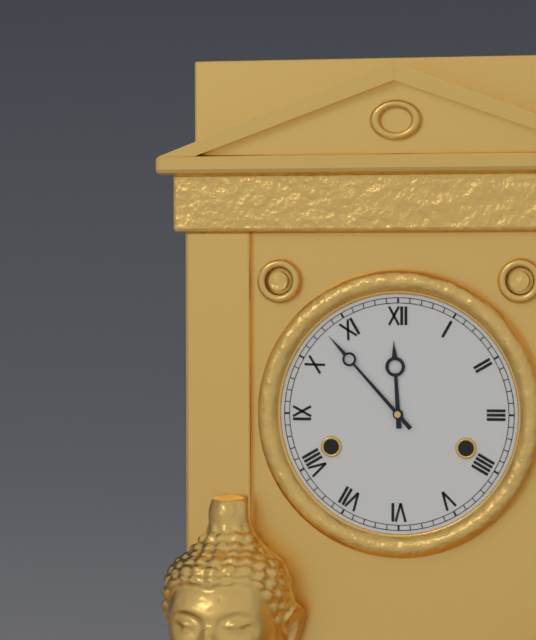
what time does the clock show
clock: 11:53
